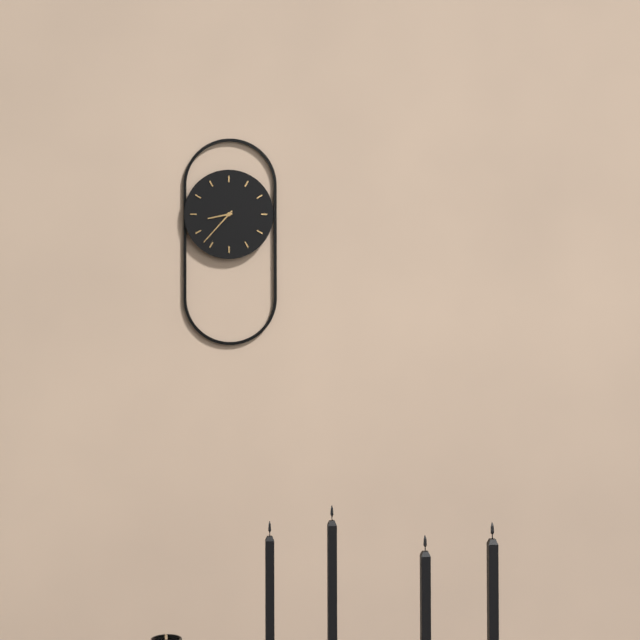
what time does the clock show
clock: 8:37
